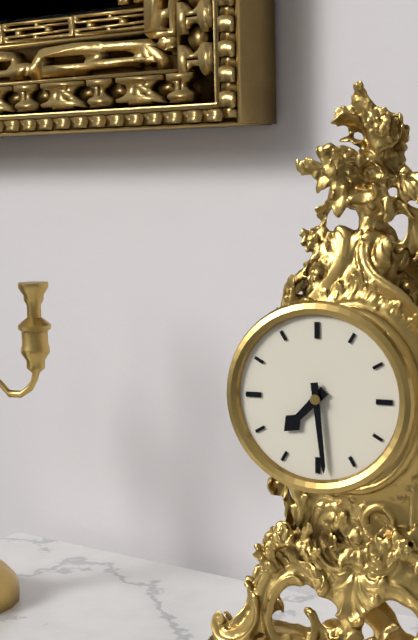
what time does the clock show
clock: 7:29
